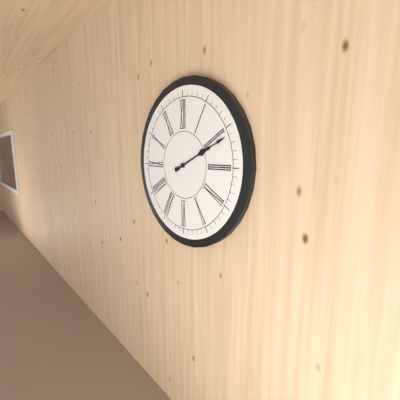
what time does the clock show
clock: 2:11
